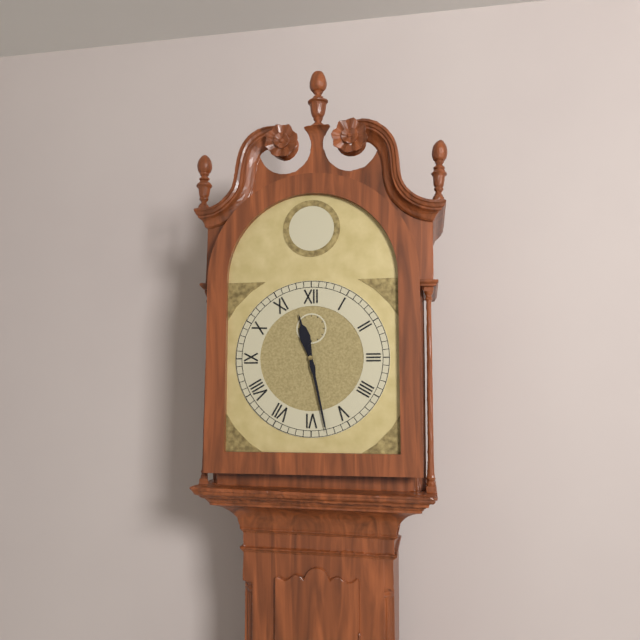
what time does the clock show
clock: 11:28
